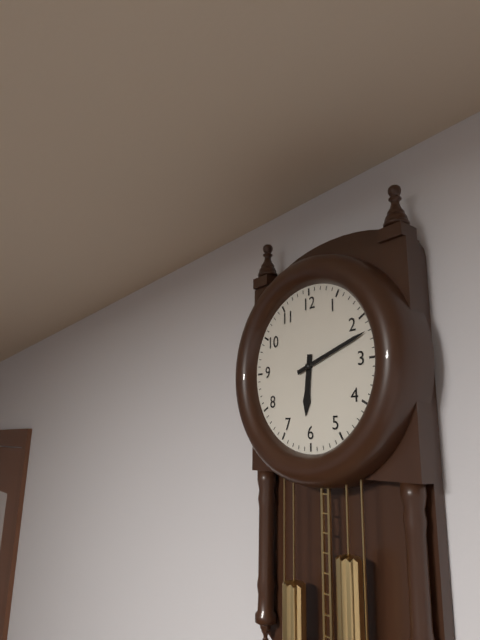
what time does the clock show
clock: 6:12
